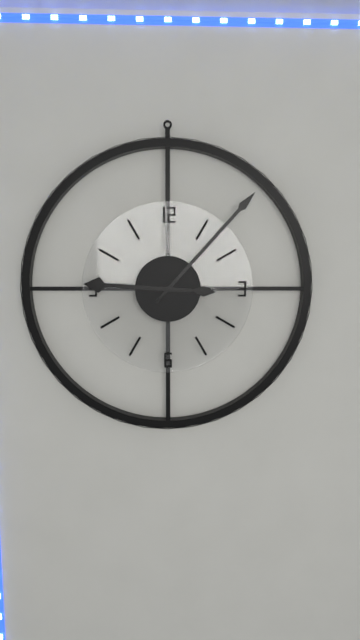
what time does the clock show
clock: 9:07
